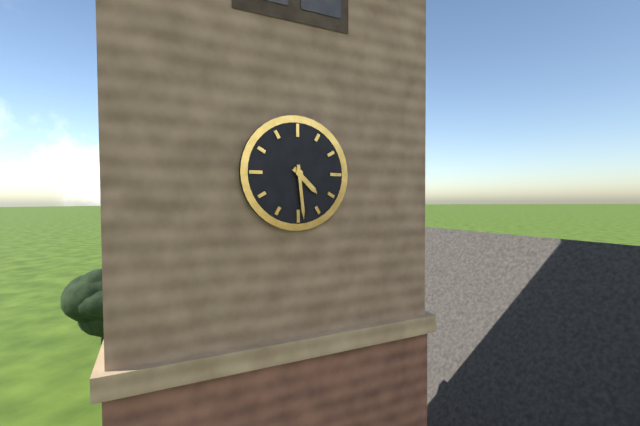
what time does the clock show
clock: 4:29
